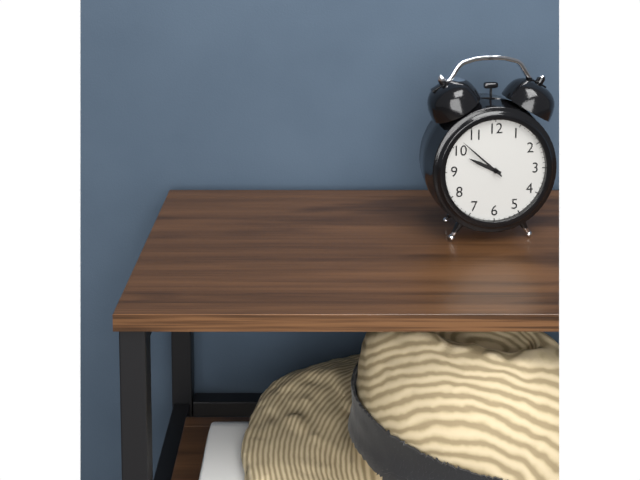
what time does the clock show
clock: 9:52
